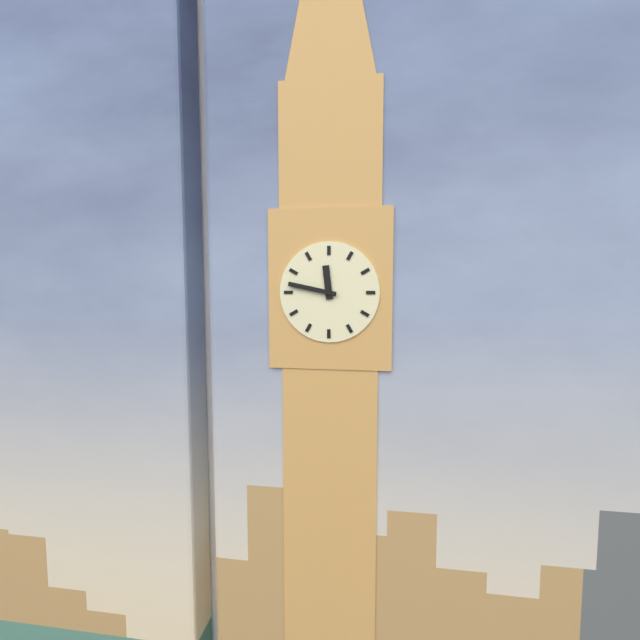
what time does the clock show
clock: 11:47
